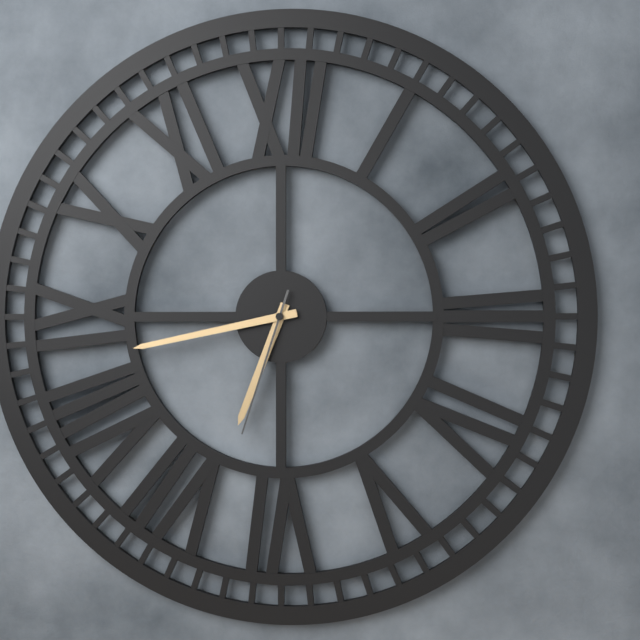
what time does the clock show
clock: 6:43:33
